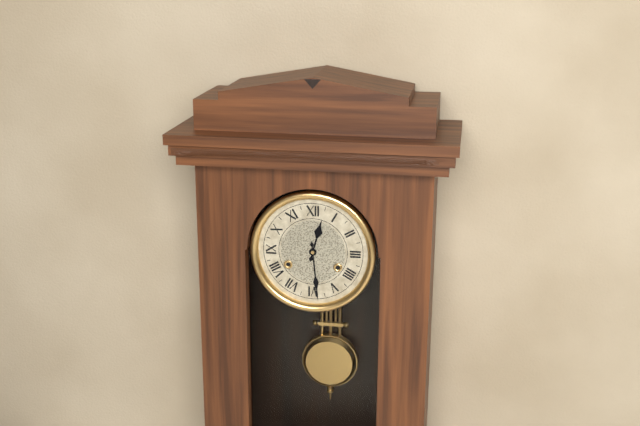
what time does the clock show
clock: 12:29
